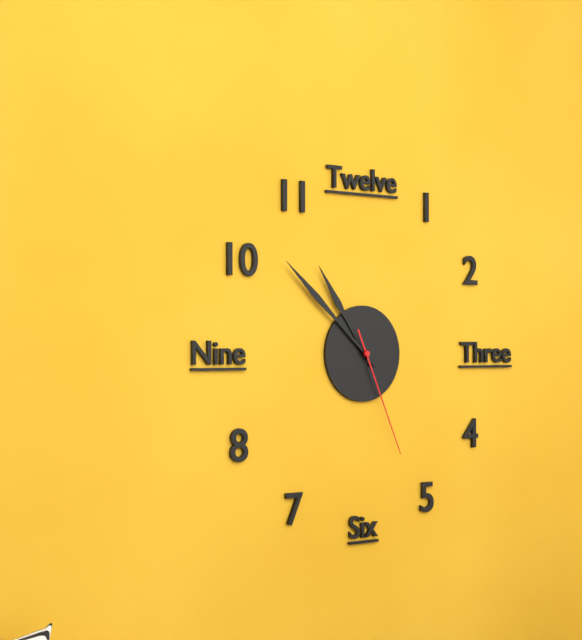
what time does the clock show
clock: 10:52:26
